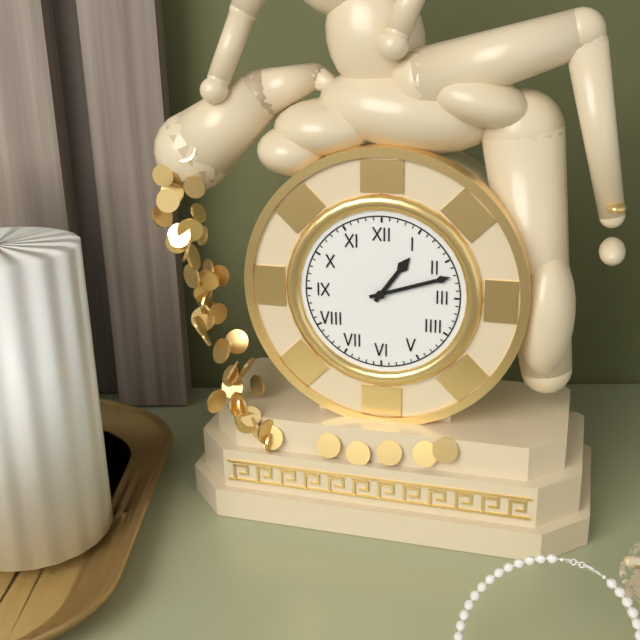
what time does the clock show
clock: 1:12
